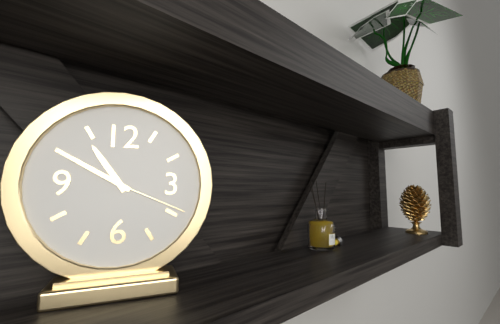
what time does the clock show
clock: 10:50:19
